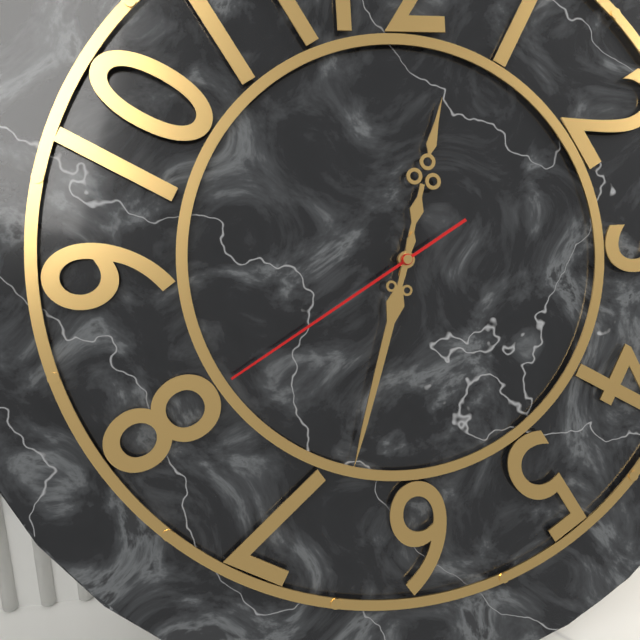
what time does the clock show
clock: 12:33:40
